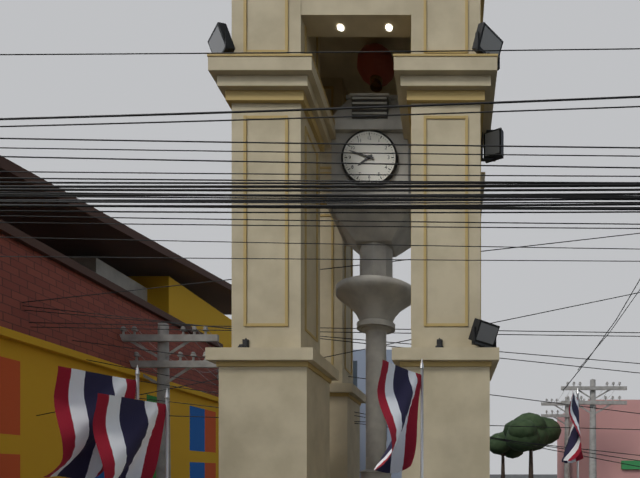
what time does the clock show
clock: 7:48
